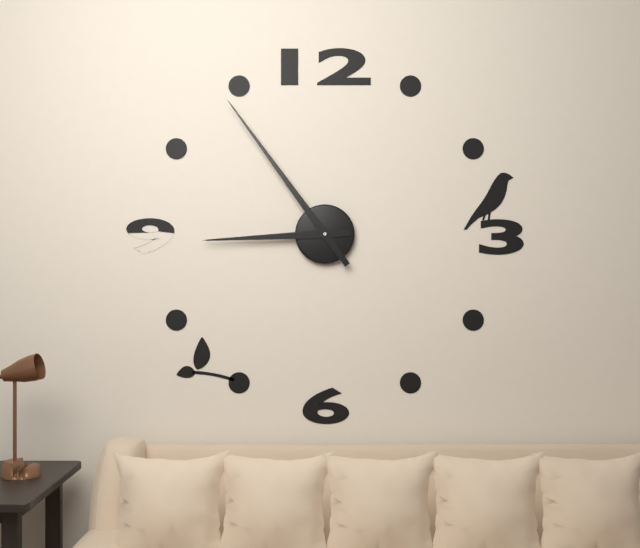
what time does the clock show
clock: 8:54
